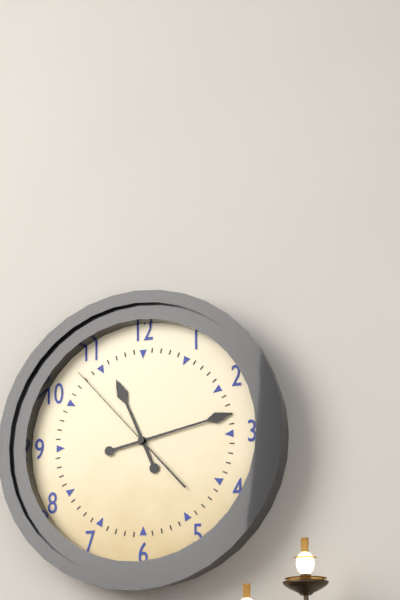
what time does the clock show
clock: 11:13:53
